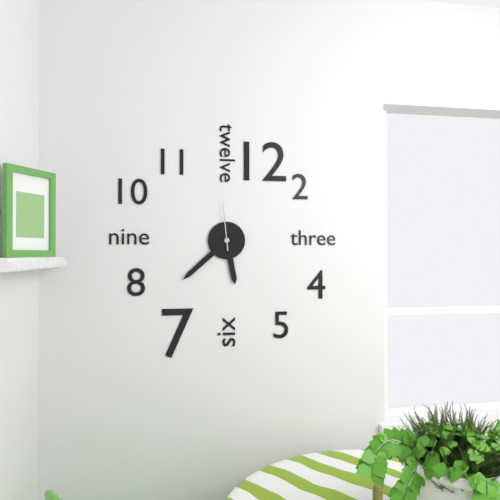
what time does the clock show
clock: 5:38:59
